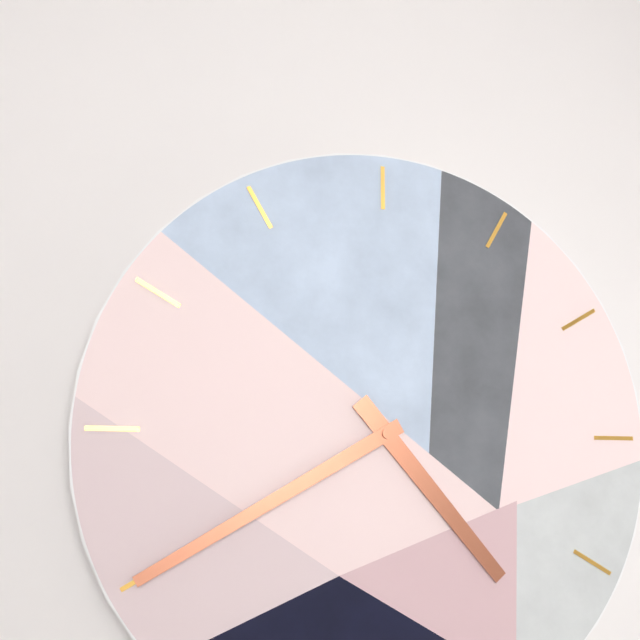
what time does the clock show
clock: 4:40
